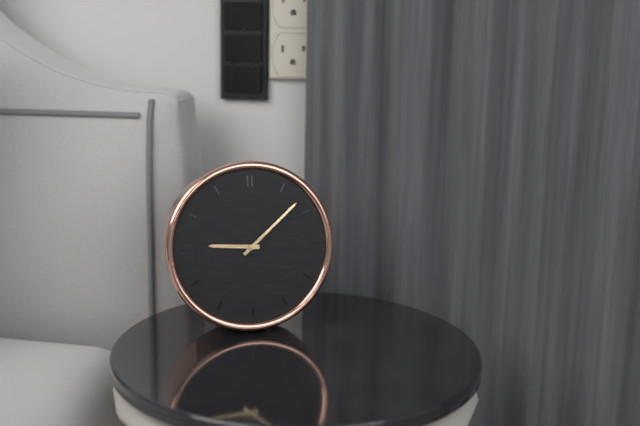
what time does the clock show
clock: 9:08
